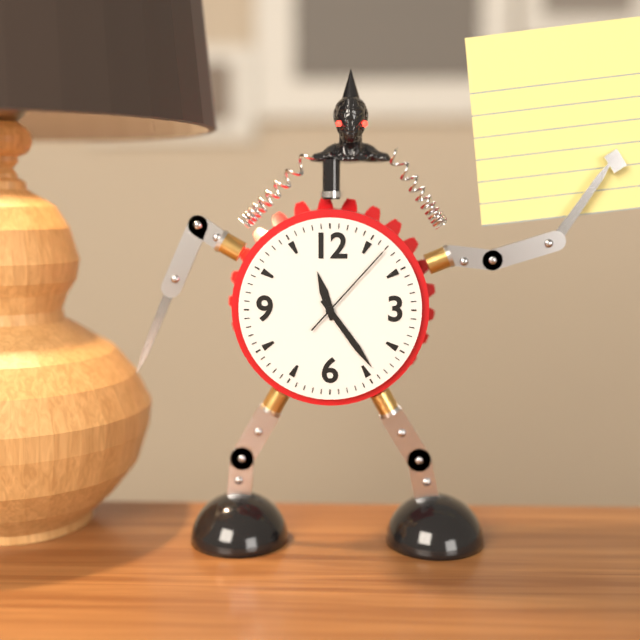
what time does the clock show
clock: 11:24:07
